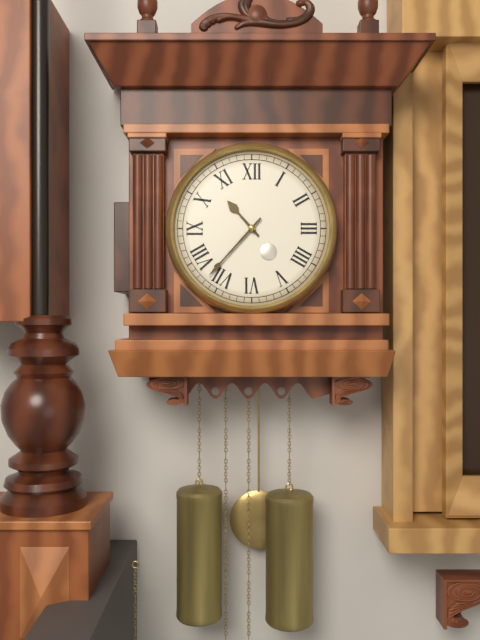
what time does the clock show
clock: 10:37
